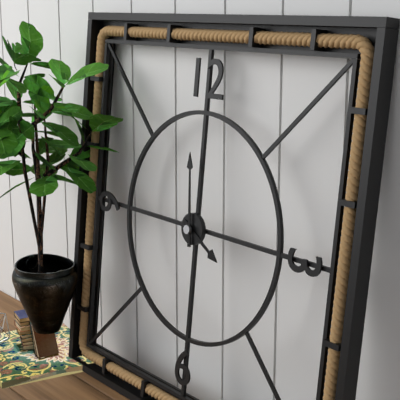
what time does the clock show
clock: 3:59
